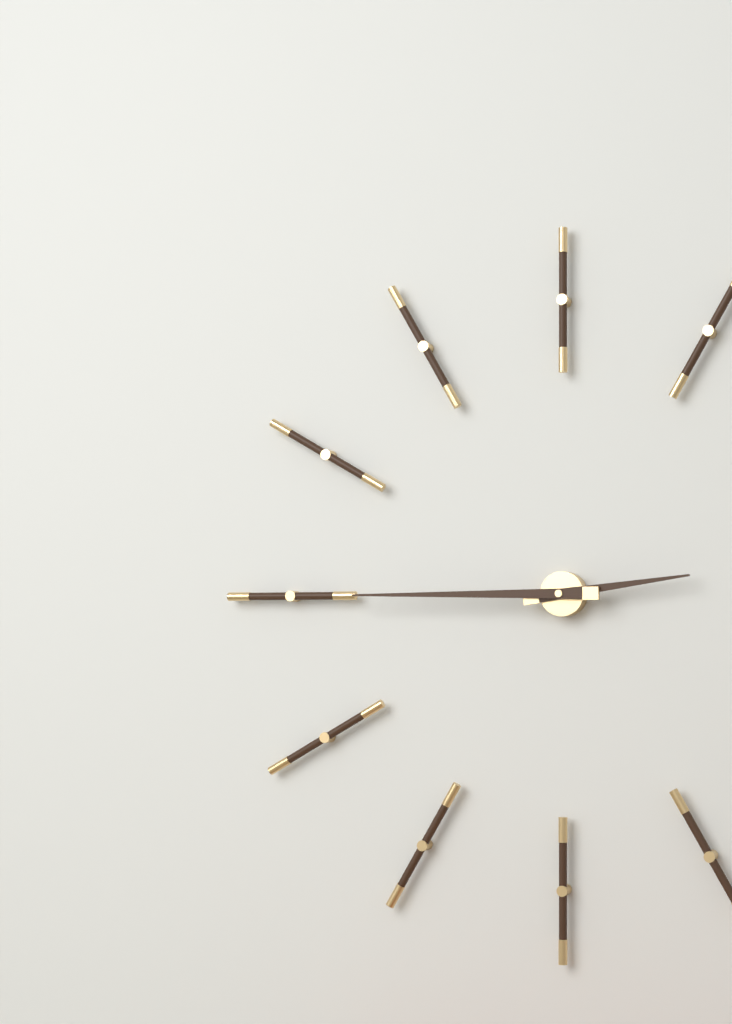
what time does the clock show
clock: 2:45
